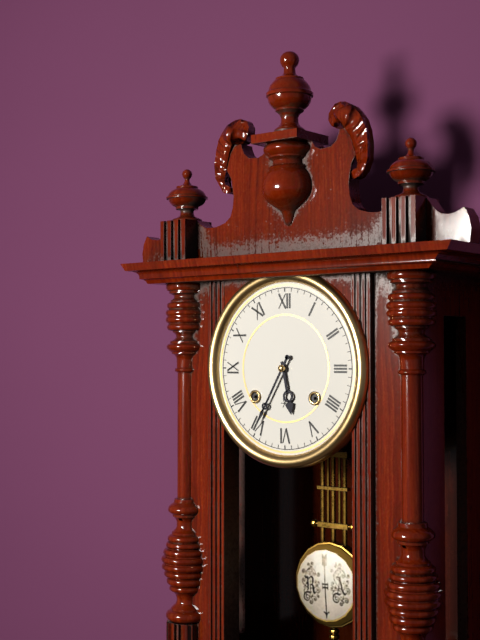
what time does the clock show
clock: 5:35
